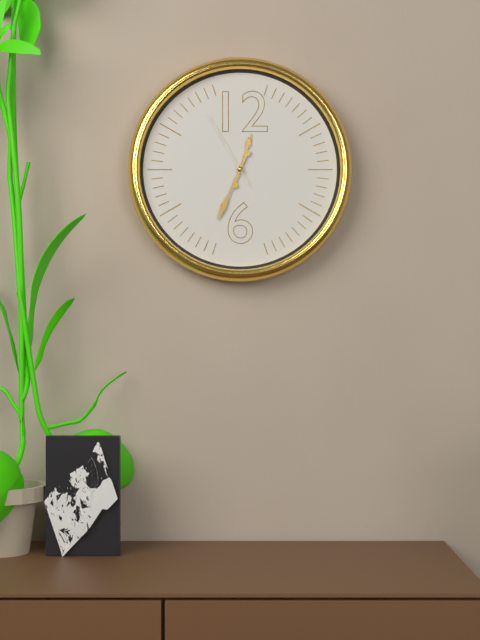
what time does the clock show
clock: 12:34:55
